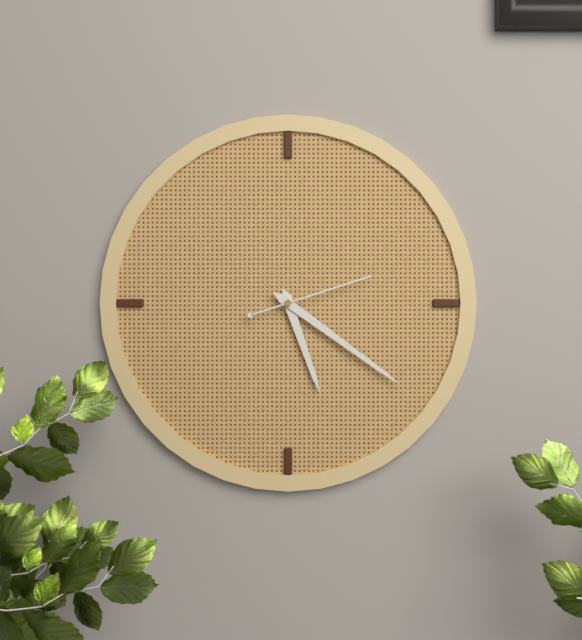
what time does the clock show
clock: 5:21:12
